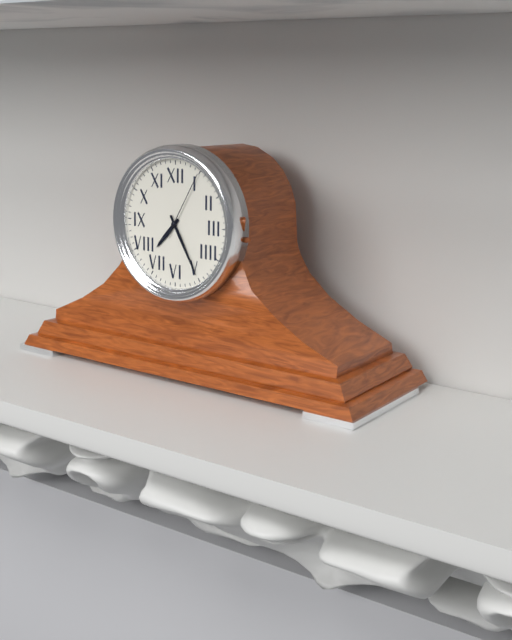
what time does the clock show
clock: 7:25:05
